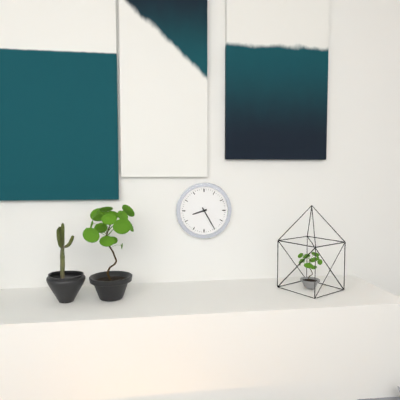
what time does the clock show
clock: 8:25
